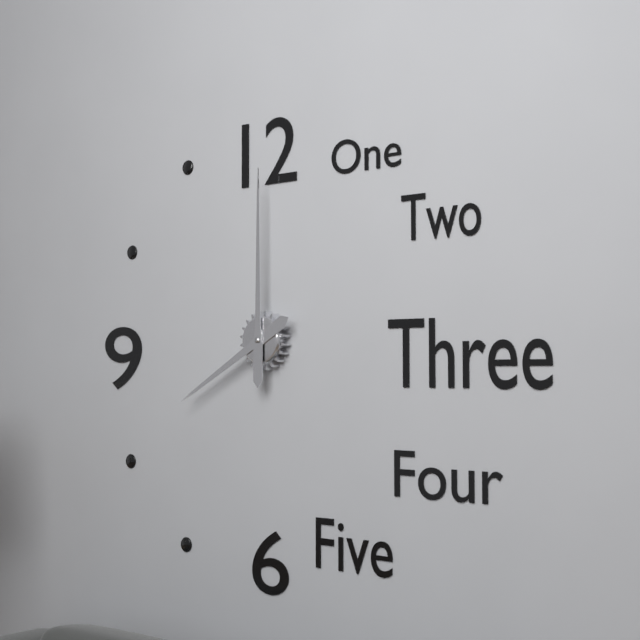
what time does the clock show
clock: 8:00
